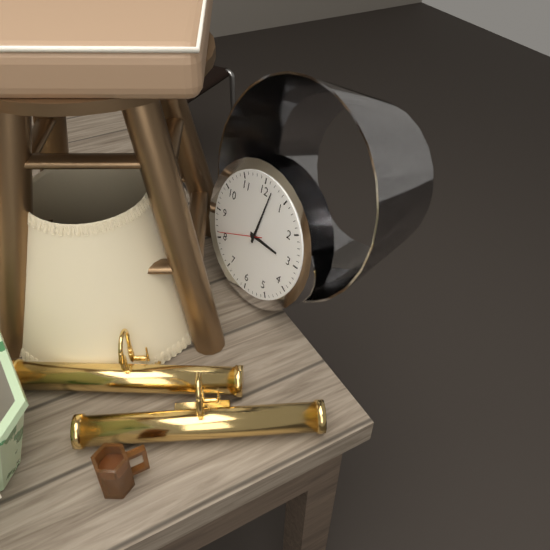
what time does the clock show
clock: 3:02
